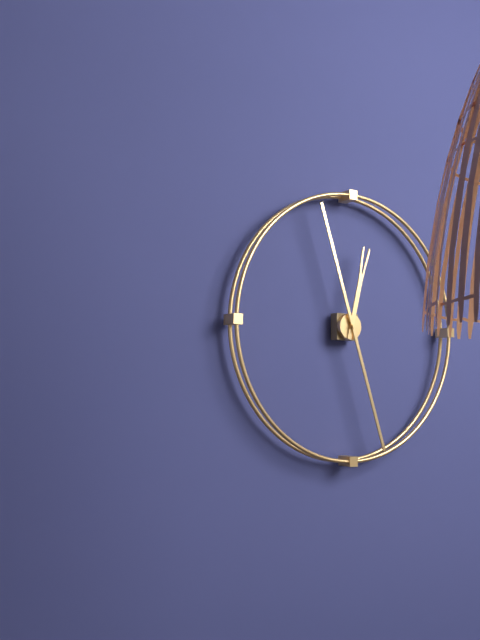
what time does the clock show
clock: 12:27
